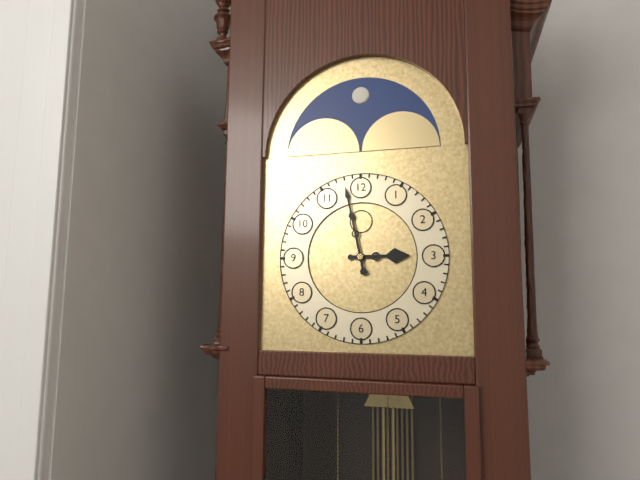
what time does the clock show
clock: 2:58
